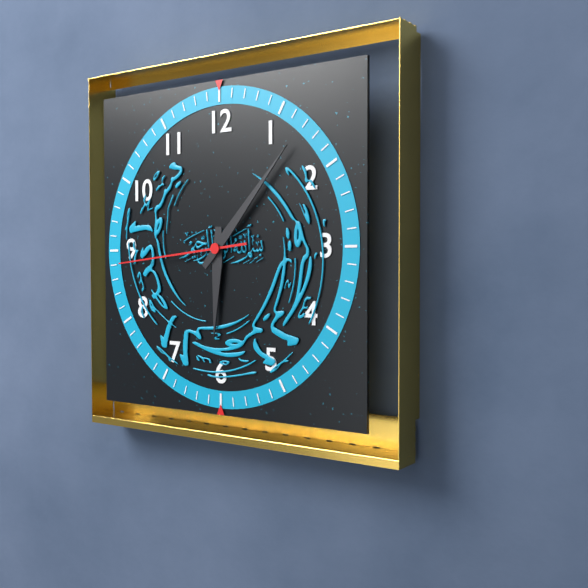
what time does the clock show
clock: 6:07:44
